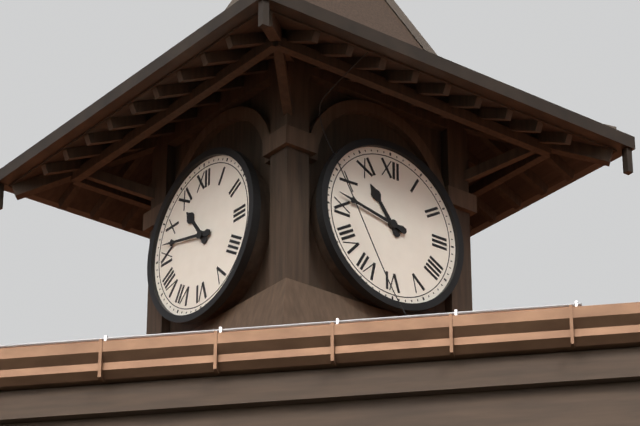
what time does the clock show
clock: 10:47
